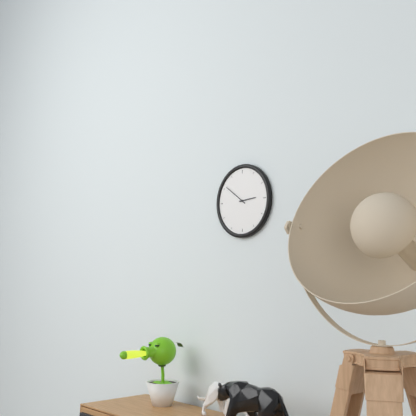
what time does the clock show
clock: 2:51
